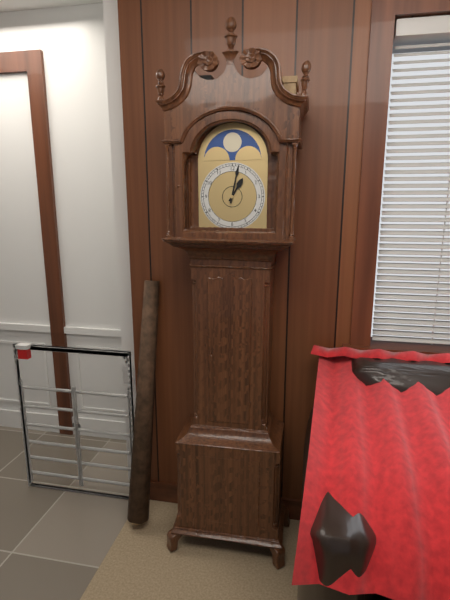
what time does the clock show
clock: 1:02
